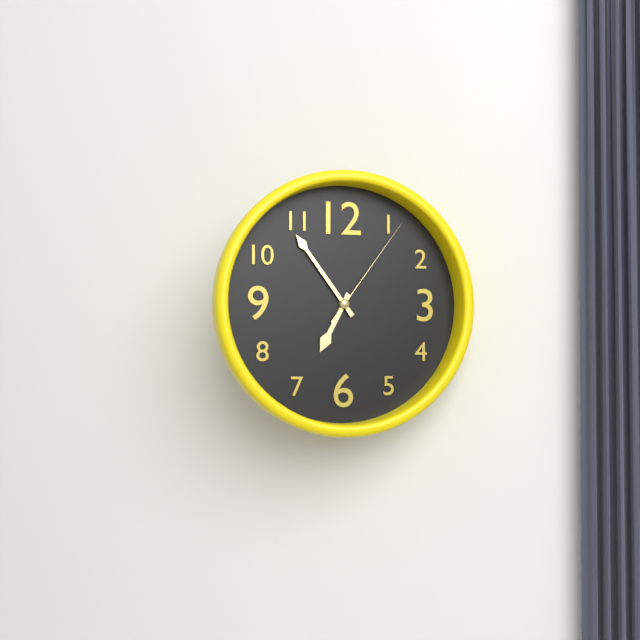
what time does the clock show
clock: 6:54:06
